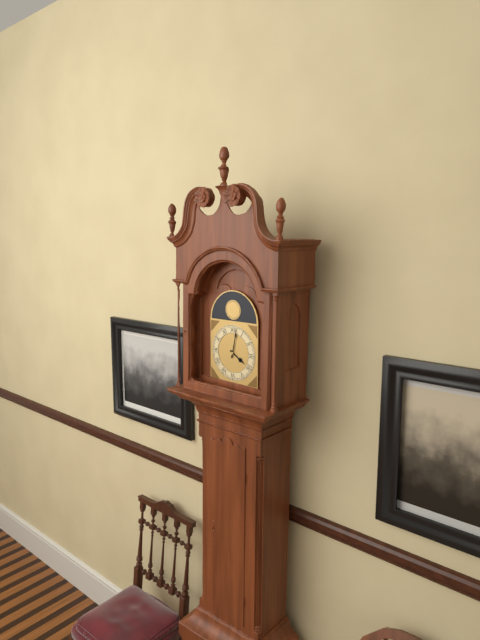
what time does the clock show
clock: 4:02
